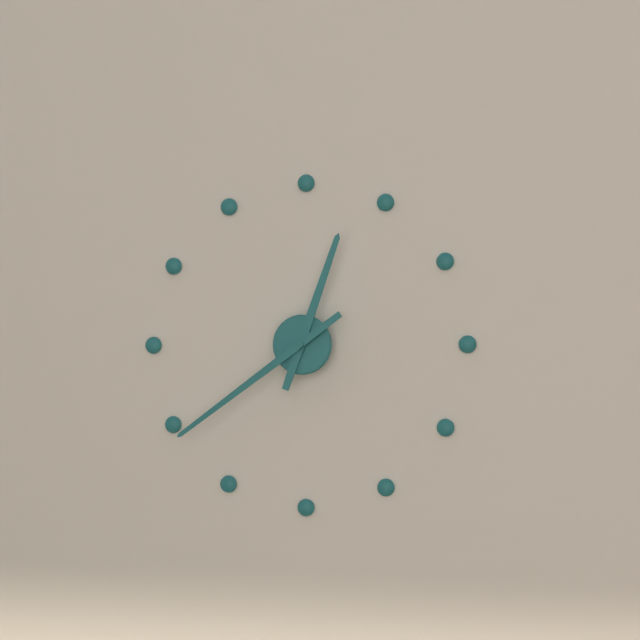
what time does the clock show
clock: 12:39
